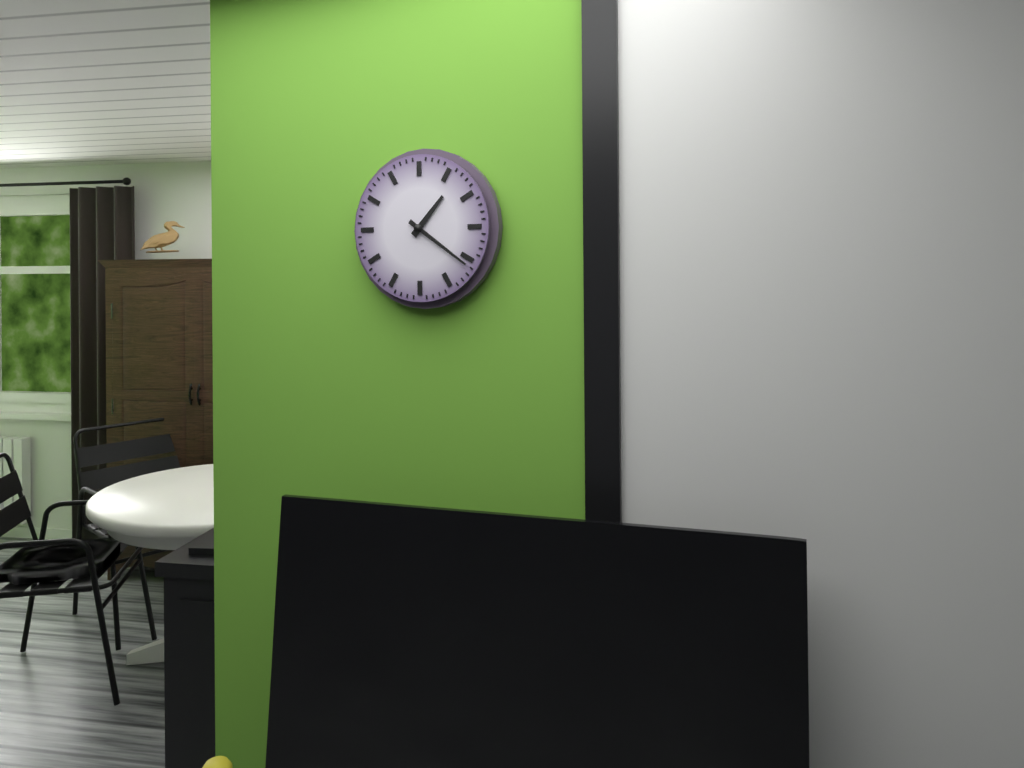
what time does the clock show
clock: 1:21
